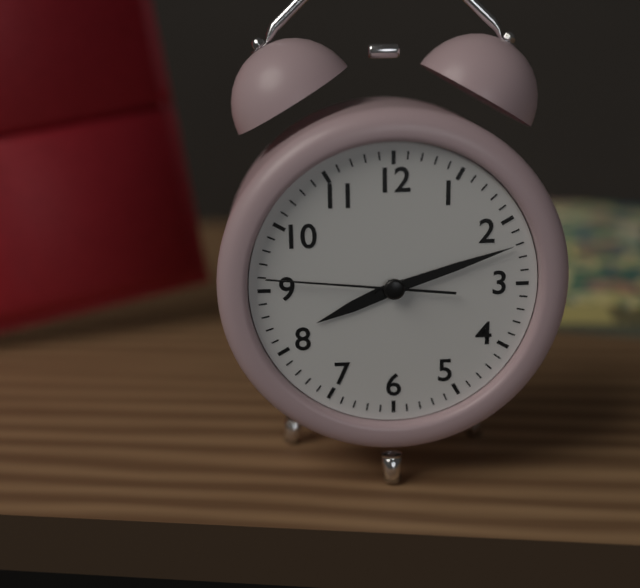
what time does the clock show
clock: 8:12:46
